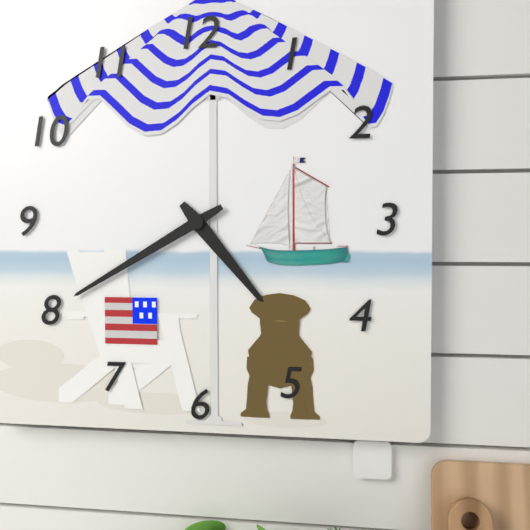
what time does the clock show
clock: 4:40
